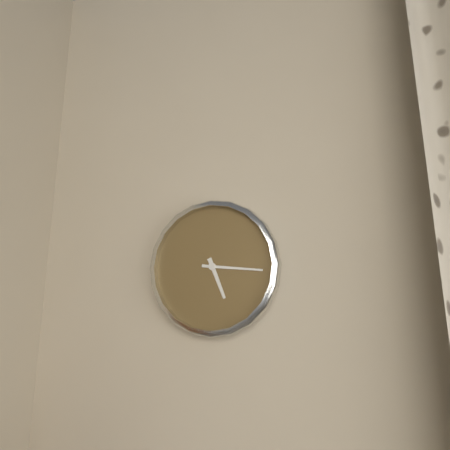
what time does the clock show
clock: 5:16
